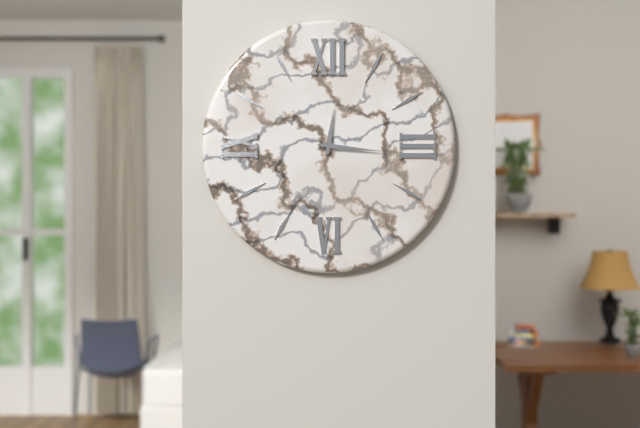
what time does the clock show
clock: 12:16
